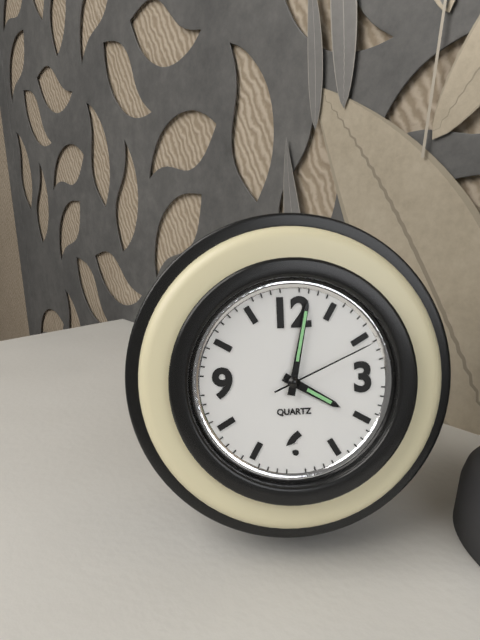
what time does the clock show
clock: 4:02:11
